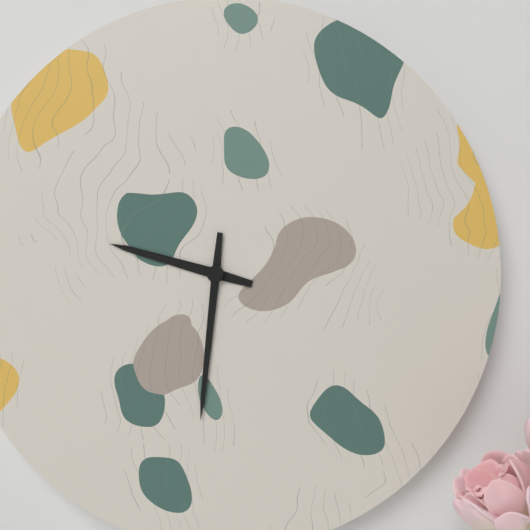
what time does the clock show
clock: 9:31
